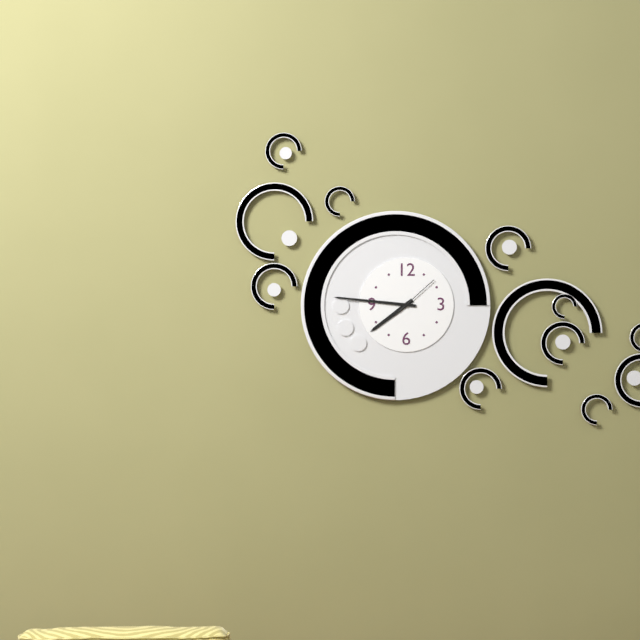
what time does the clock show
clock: 7:46
